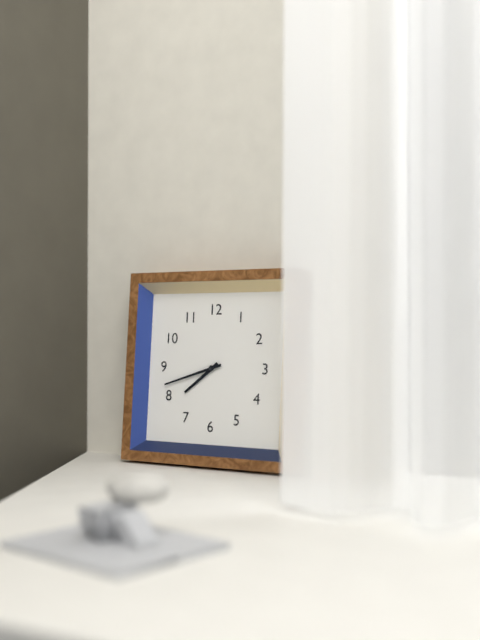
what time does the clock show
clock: 7:42
